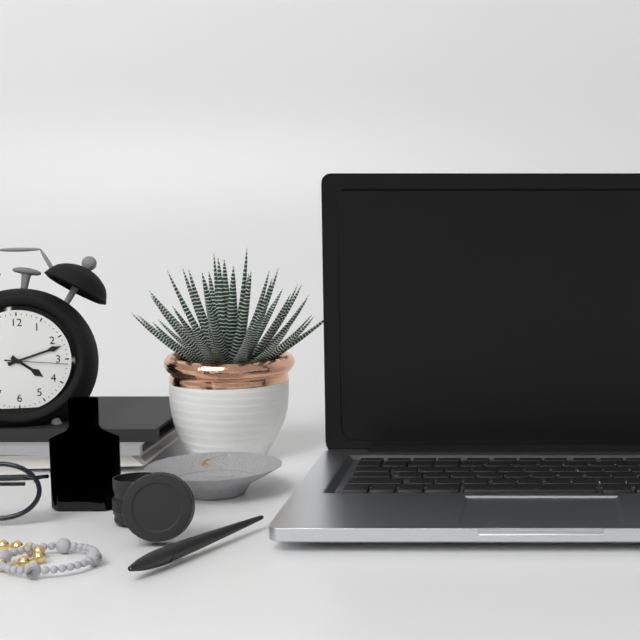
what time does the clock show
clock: 4:12:16
